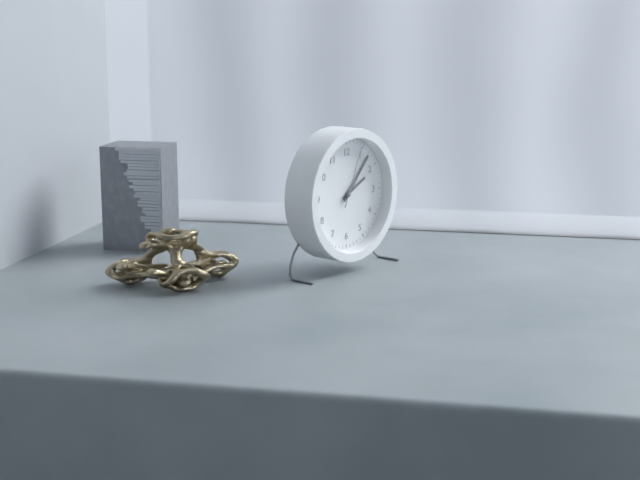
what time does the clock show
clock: 2:07:04
